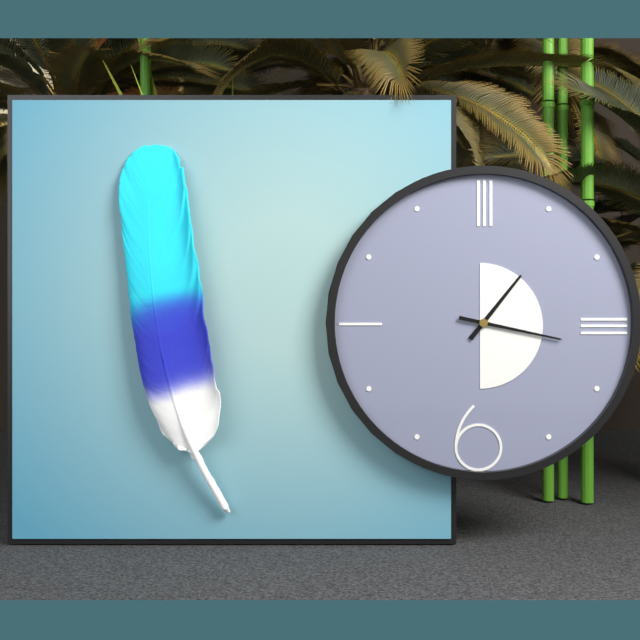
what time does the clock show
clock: 1:17
